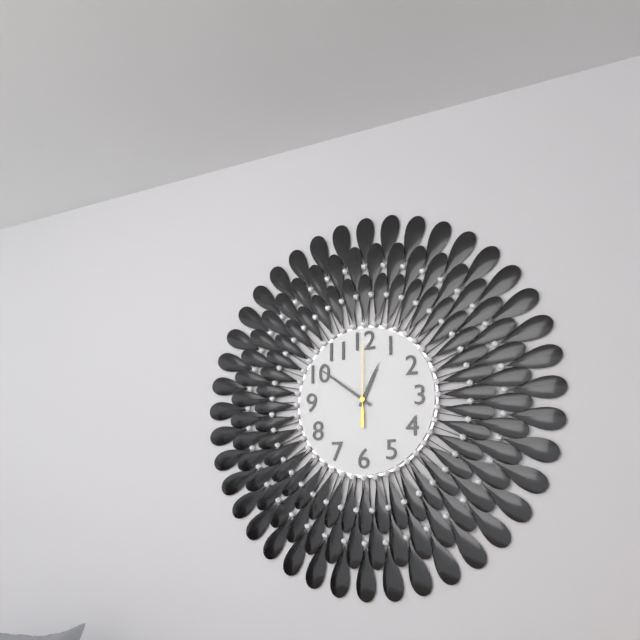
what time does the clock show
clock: 12:51:00
